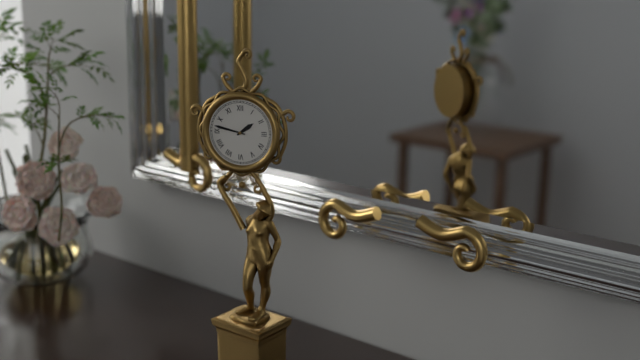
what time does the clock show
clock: 1:47
